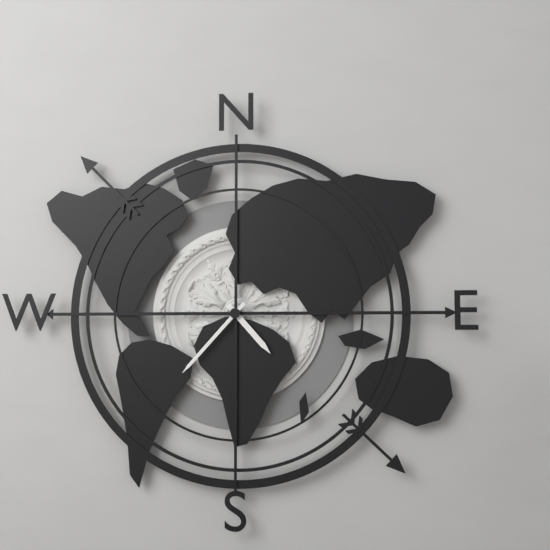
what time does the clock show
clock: 4:37
